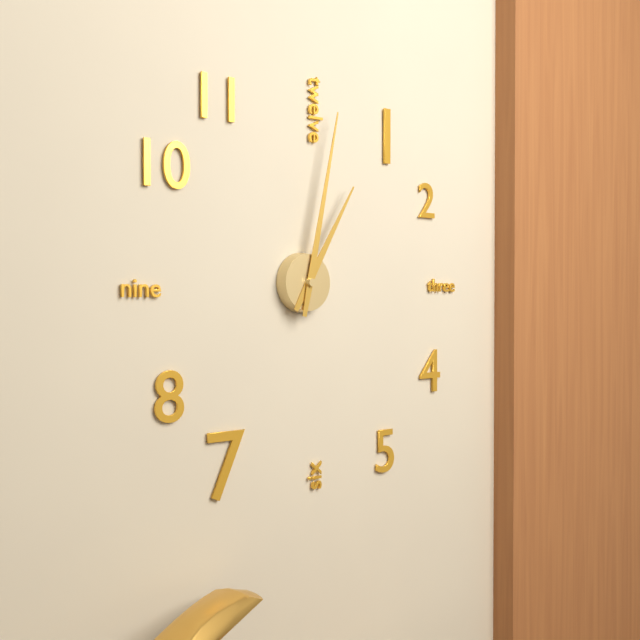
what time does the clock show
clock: 1:02
